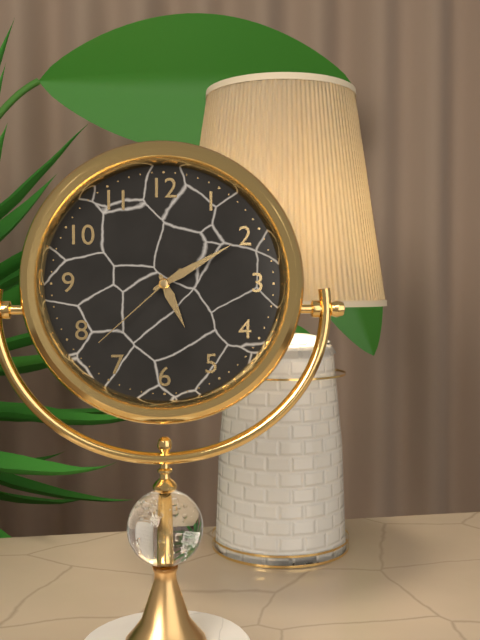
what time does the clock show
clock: 5:10:38
